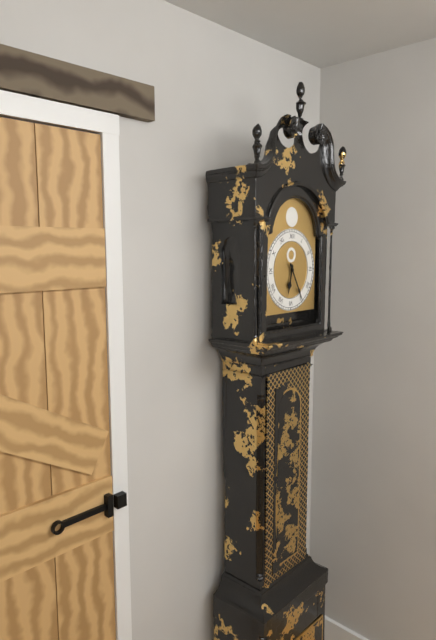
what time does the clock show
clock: 6:25
